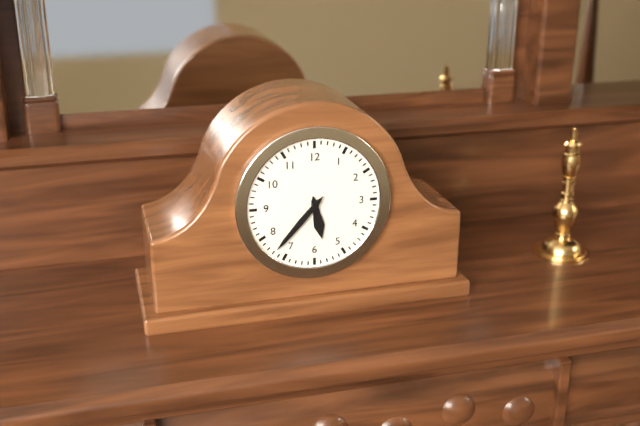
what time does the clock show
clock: 5:37
